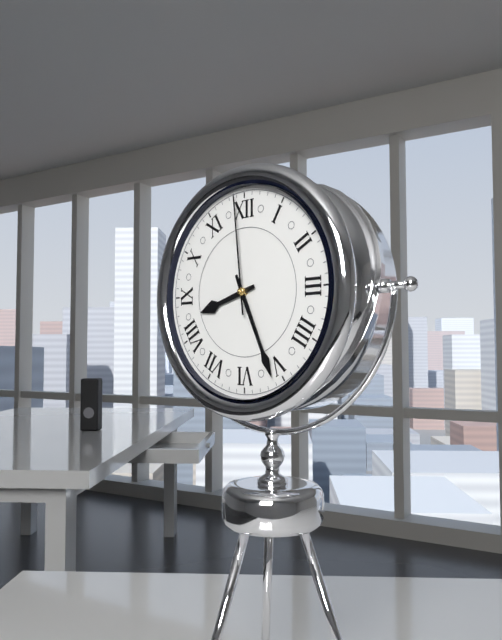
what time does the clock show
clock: 8:26:59
